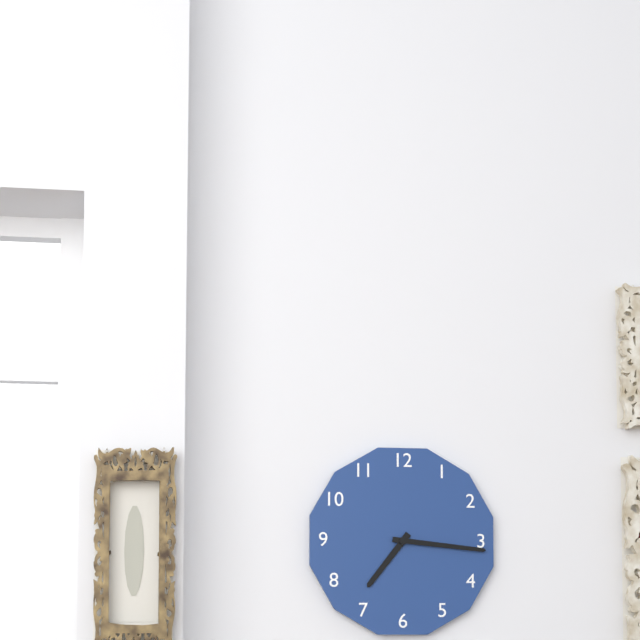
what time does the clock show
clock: 7:16
